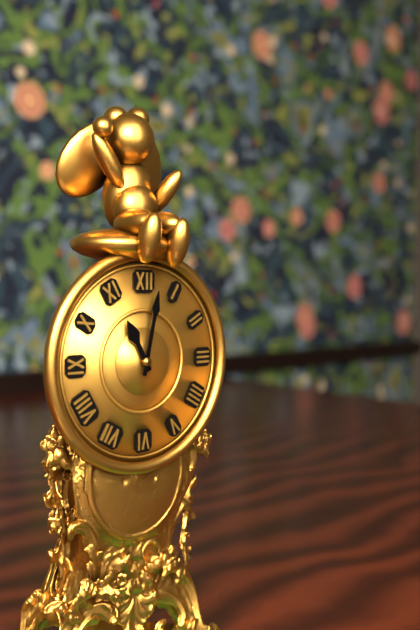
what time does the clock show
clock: 11:02
